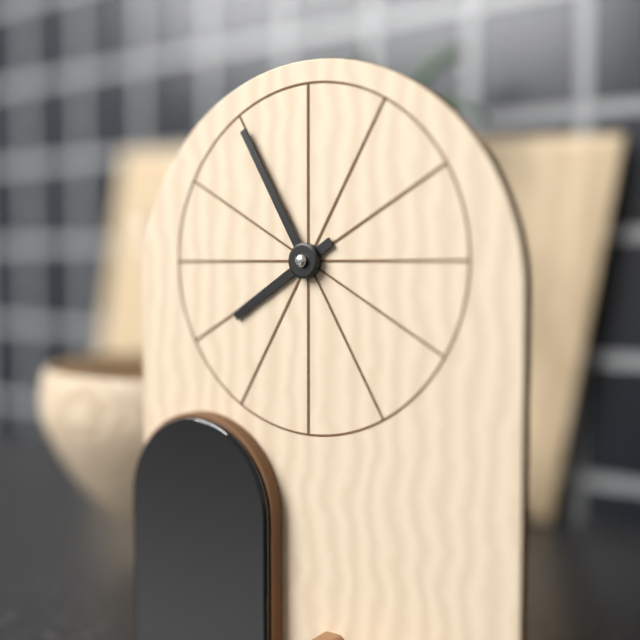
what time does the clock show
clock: 7:55
